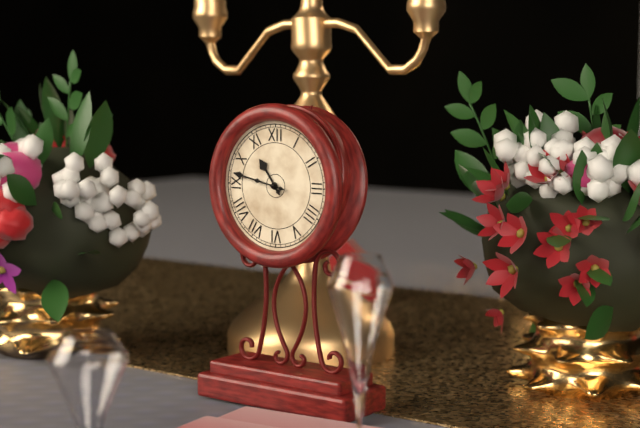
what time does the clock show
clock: 10:47
